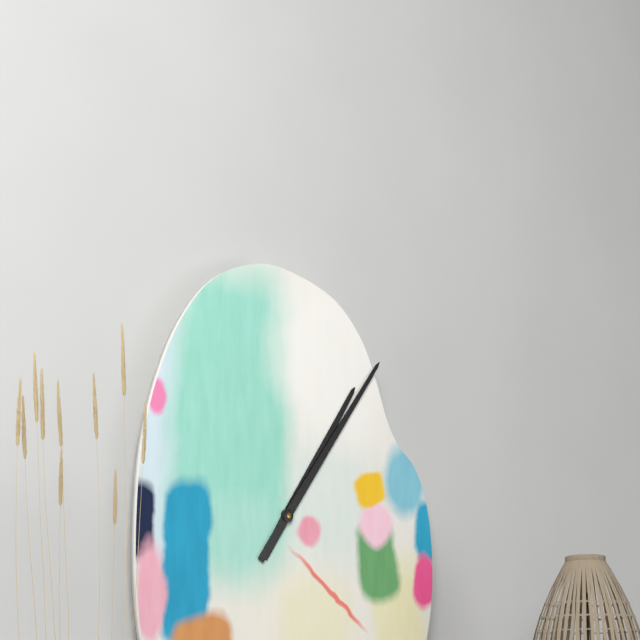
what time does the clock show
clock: 1:06
